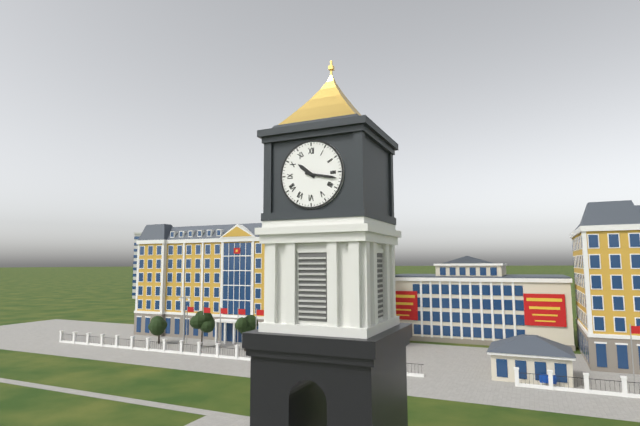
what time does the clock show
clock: 10:17
